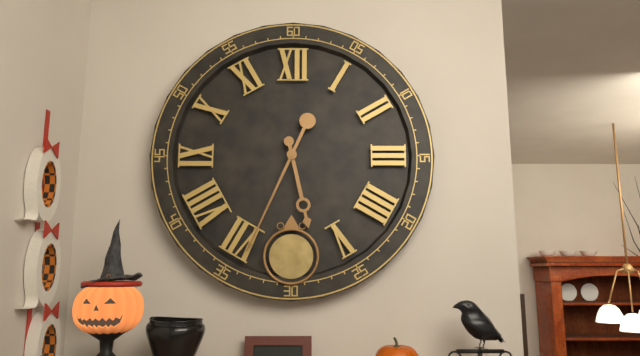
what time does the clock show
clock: 5:34
